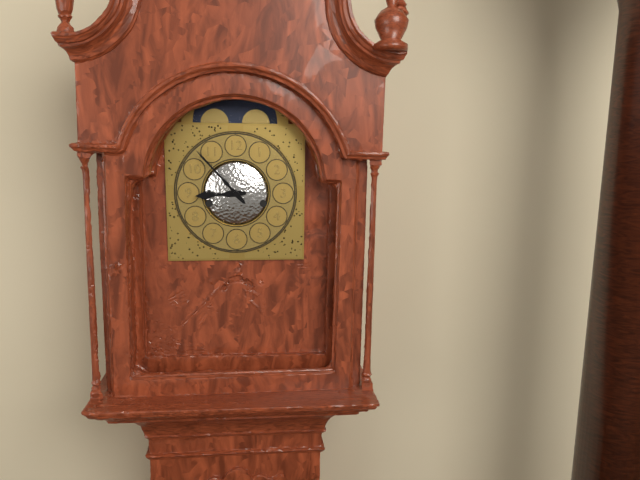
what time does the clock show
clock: 8:53
